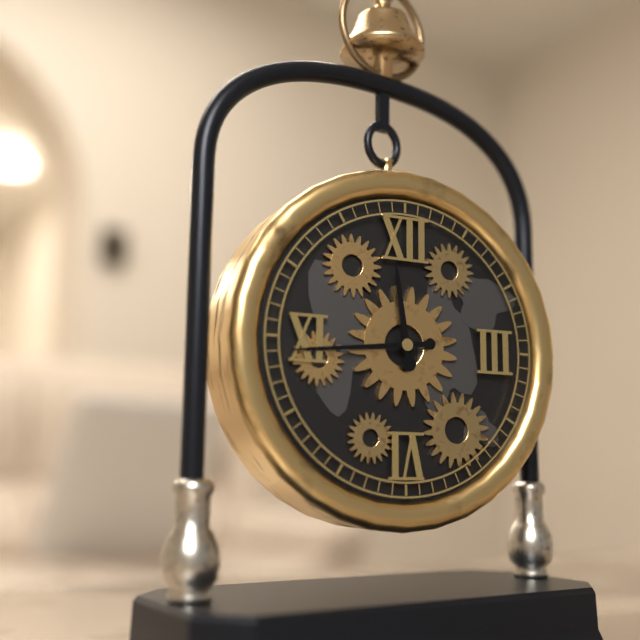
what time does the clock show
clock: 11:44
